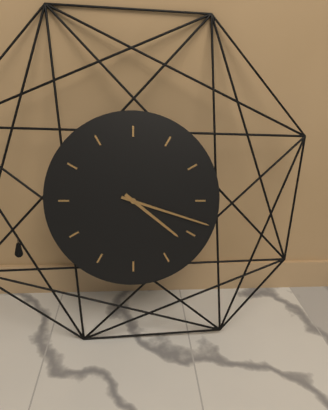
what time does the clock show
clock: 4:18
